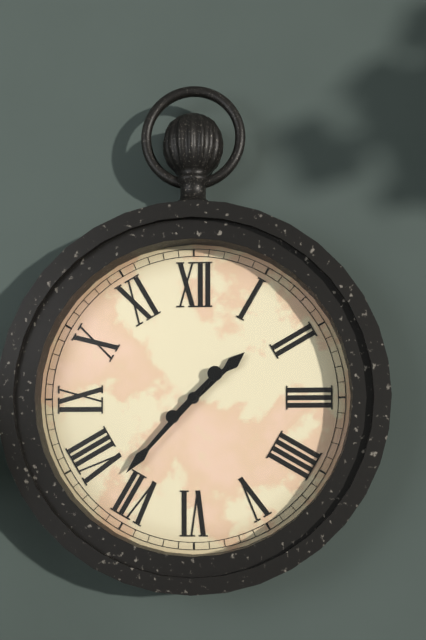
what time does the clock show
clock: 1:37
